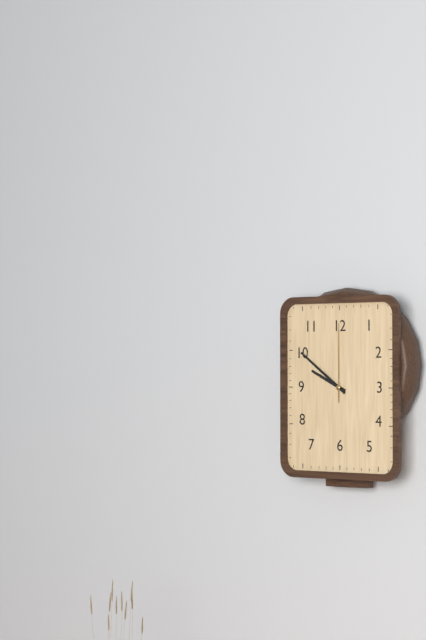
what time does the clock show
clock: 9:51:00
